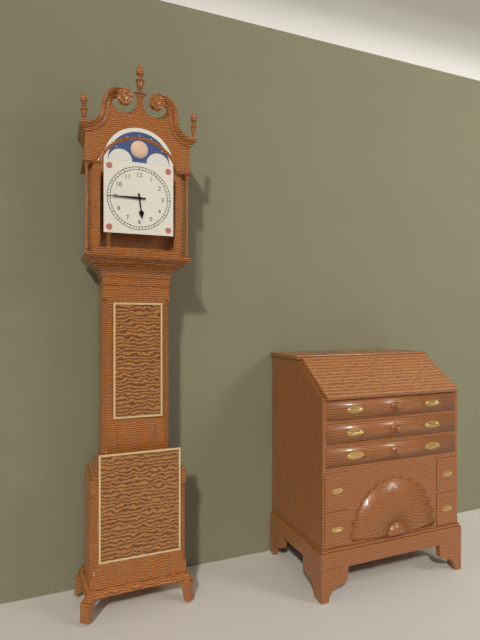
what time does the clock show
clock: 5:45
